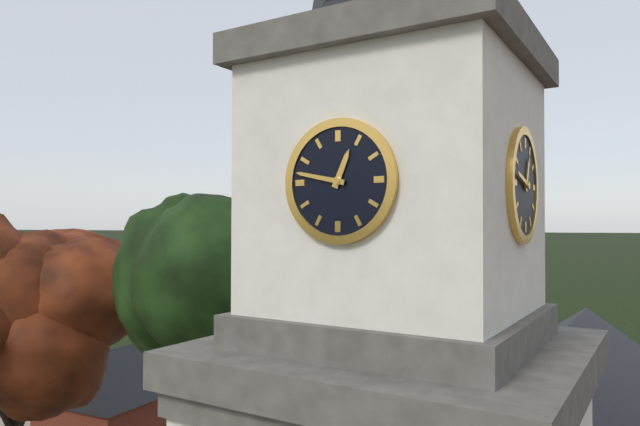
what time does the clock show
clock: 12:47
